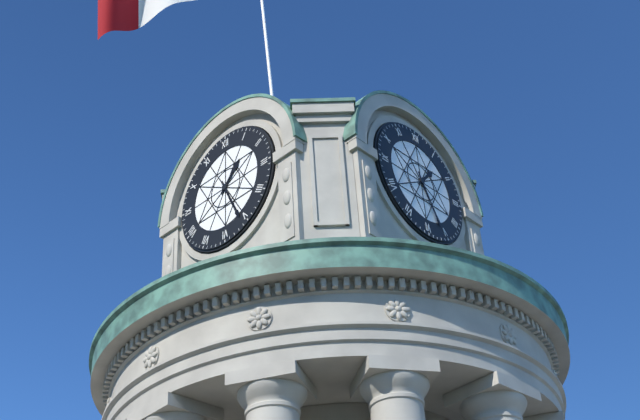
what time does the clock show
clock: 1:26
